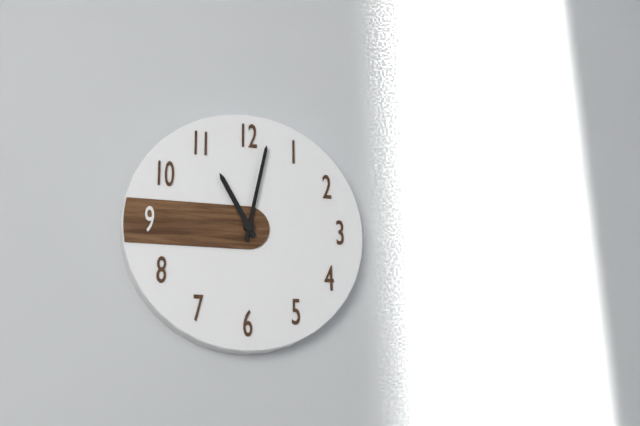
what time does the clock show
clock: 11:02
